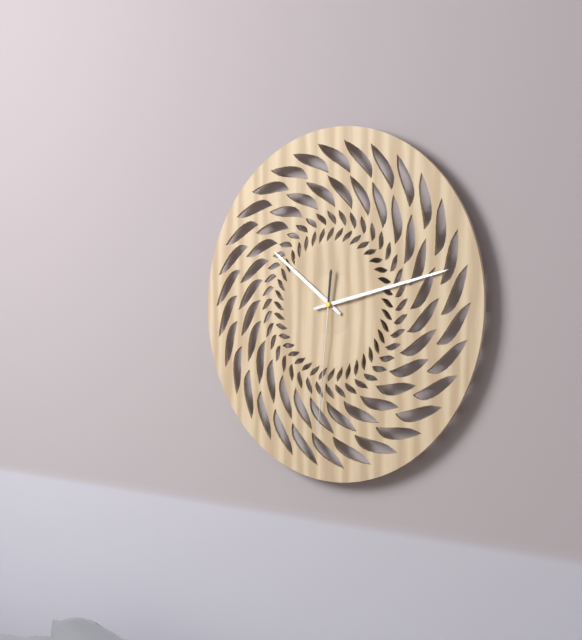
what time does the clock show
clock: 10:13:31
